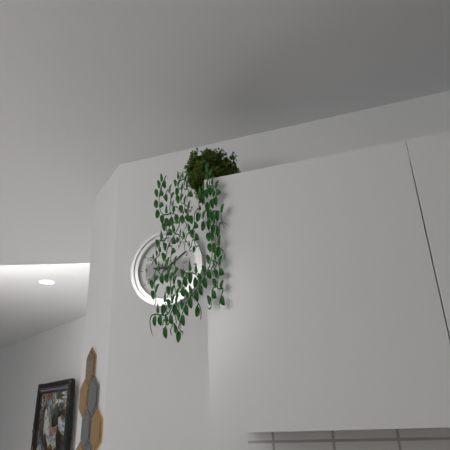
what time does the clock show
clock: 9:09
